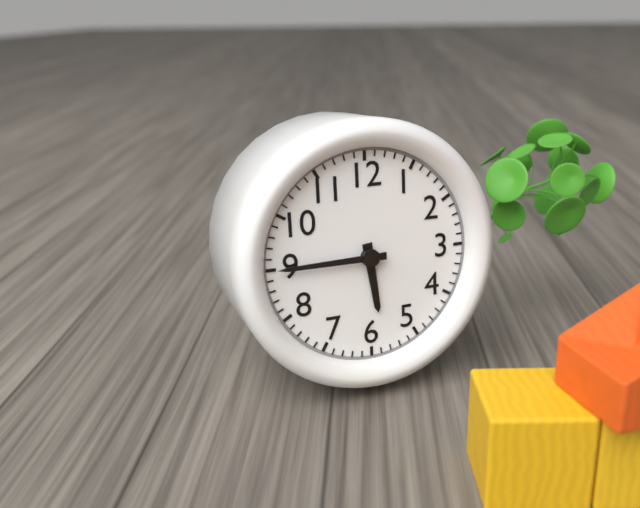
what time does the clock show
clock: 5:45
